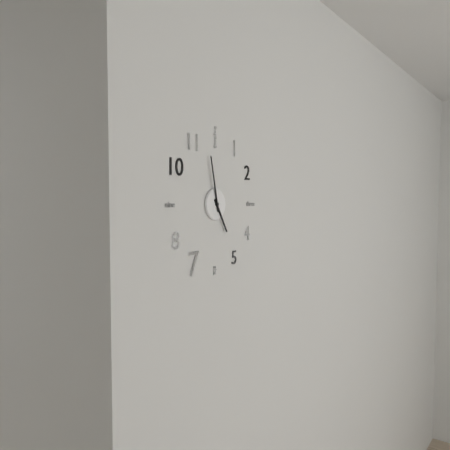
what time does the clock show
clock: 4:58
